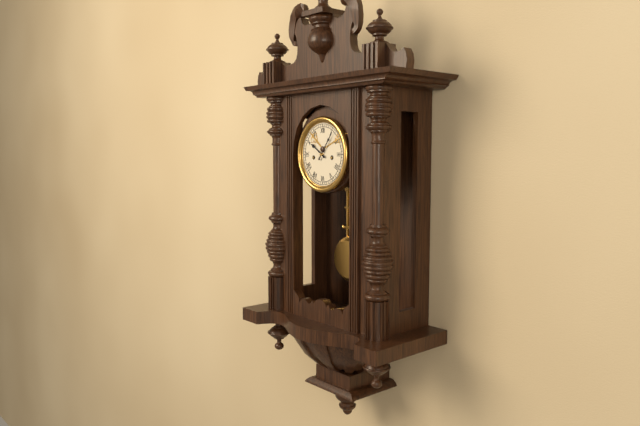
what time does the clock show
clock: 10:06
